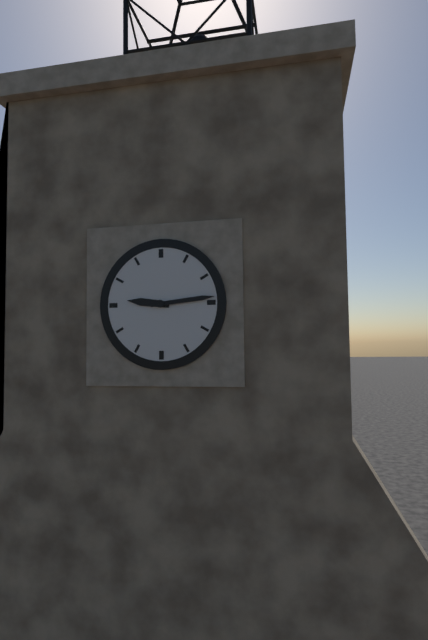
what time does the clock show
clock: 9:14
